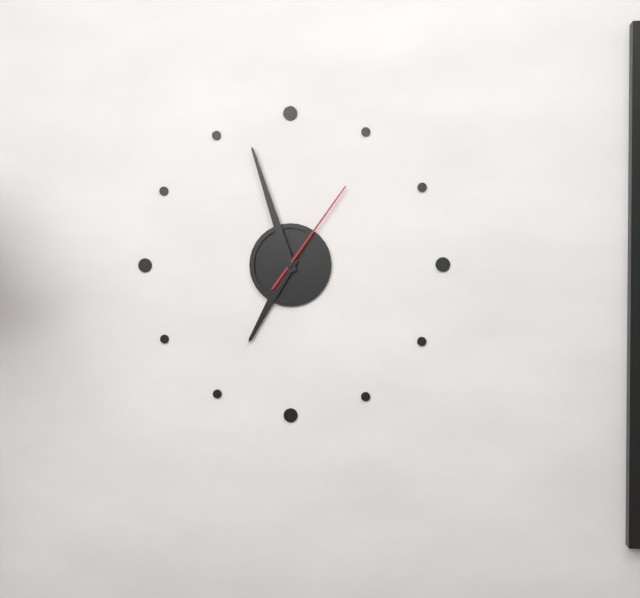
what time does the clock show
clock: 6:57:06
